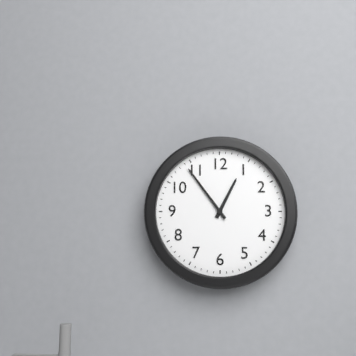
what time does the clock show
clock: 12:54
